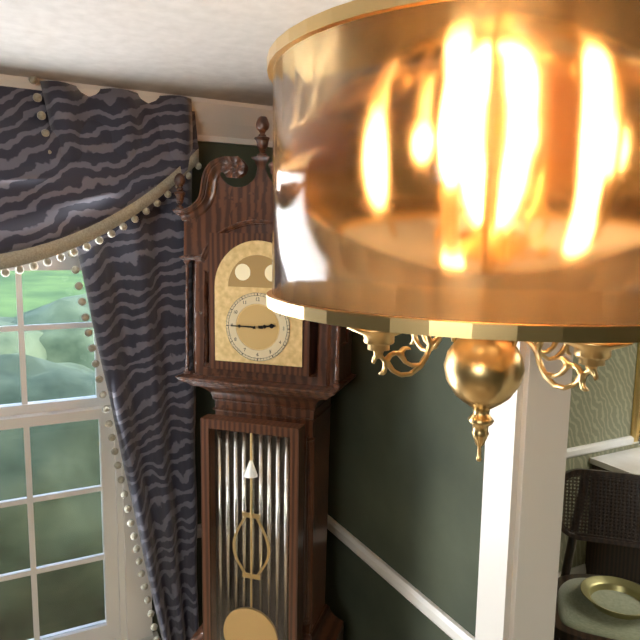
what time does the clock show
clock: 2:45
